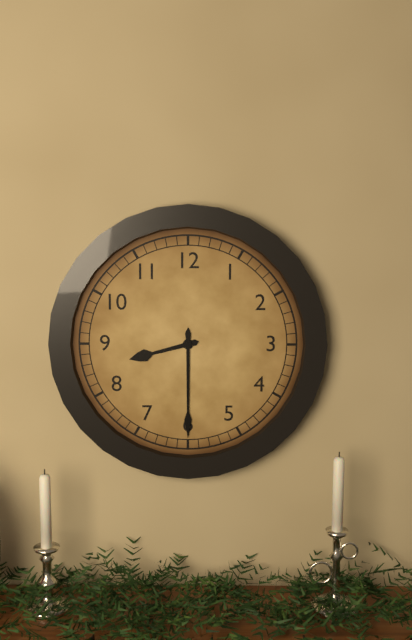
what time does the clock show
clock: 8:30
